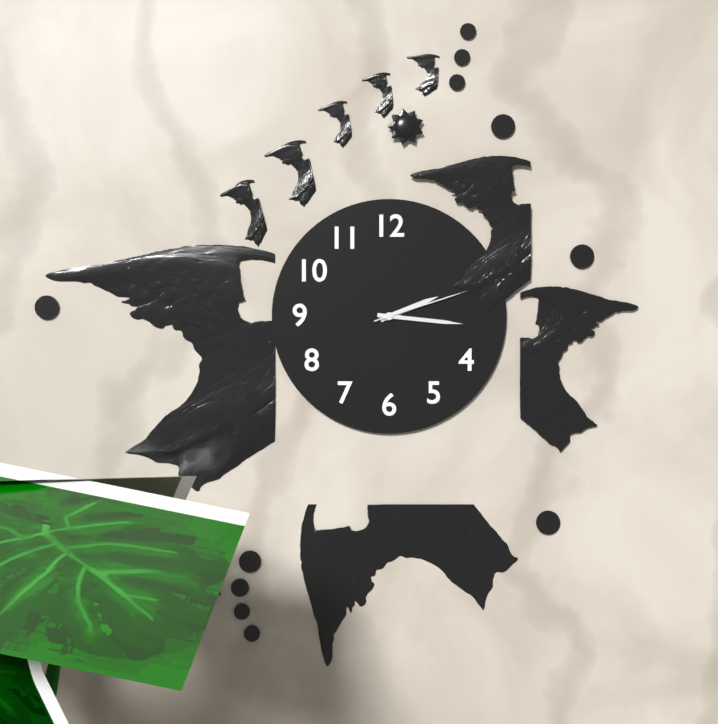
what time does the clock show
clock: 2:16:12
